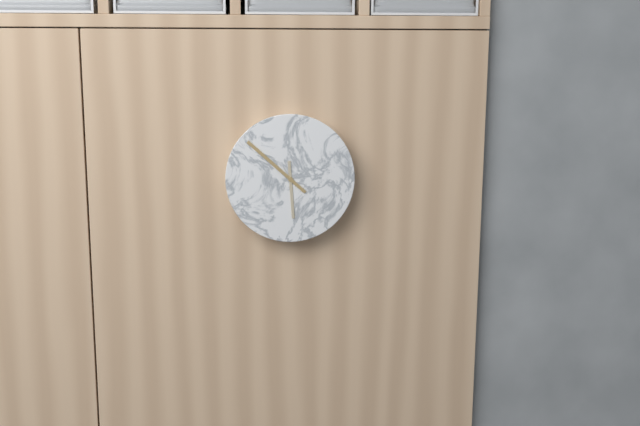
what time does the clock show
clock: 5:52
